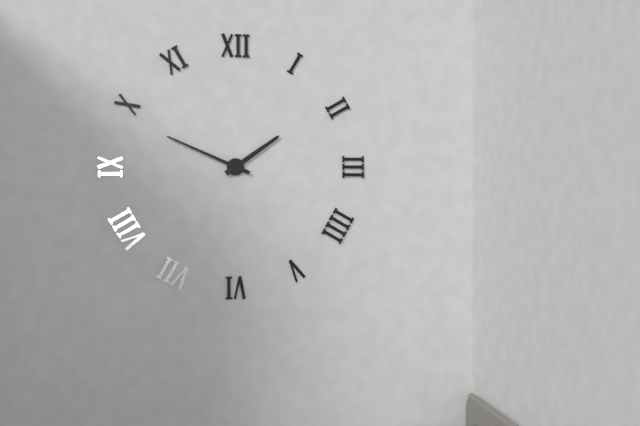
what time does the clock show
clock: 1:49
